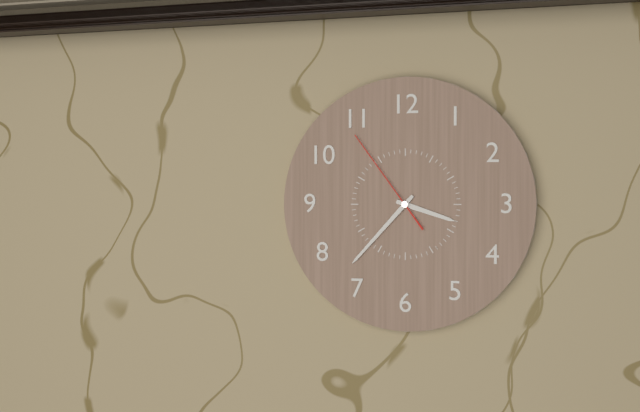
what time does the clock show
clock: 3:37:54
